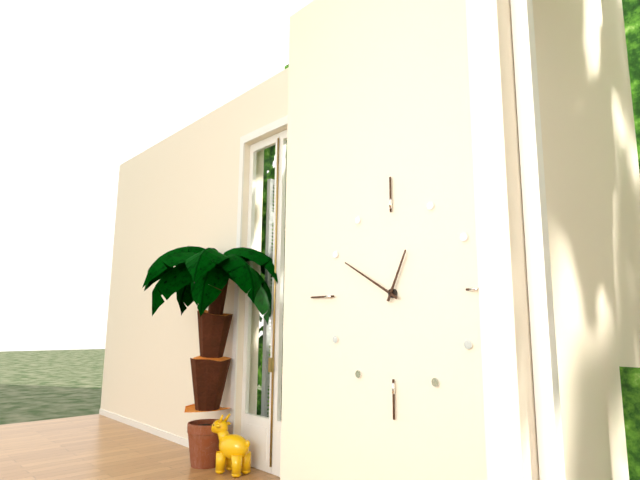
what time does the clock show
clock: 12:50
